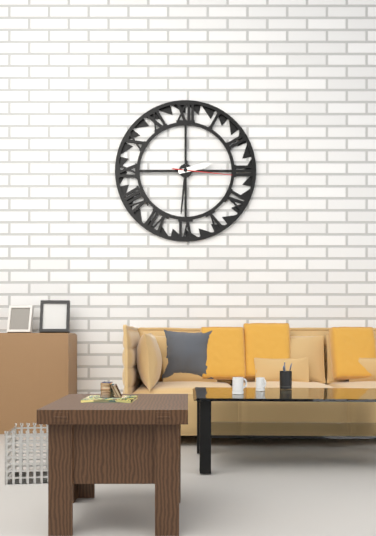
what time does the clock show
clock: 2:31:16
